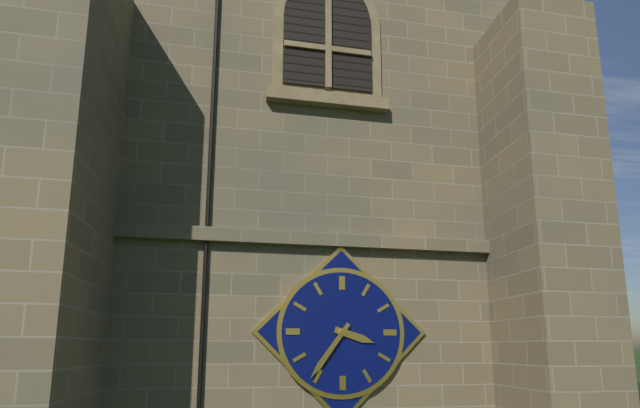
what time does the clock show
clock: 3:36
